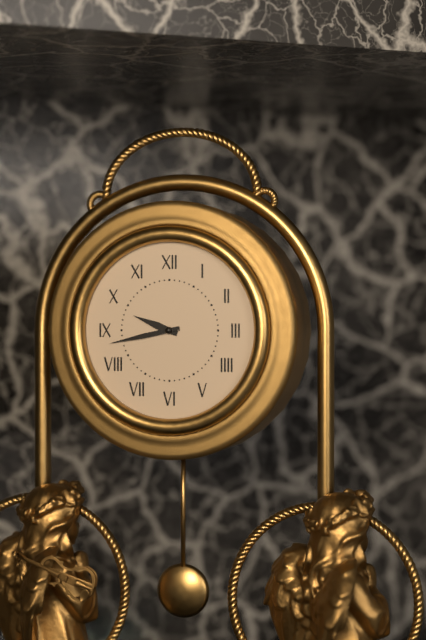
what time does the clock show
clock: 9:43
